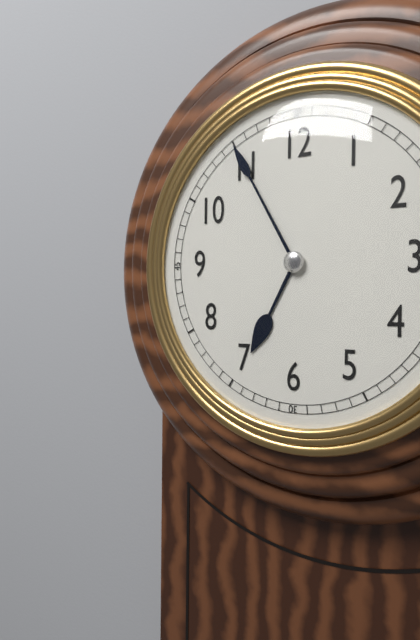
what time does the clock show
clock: 6:55
